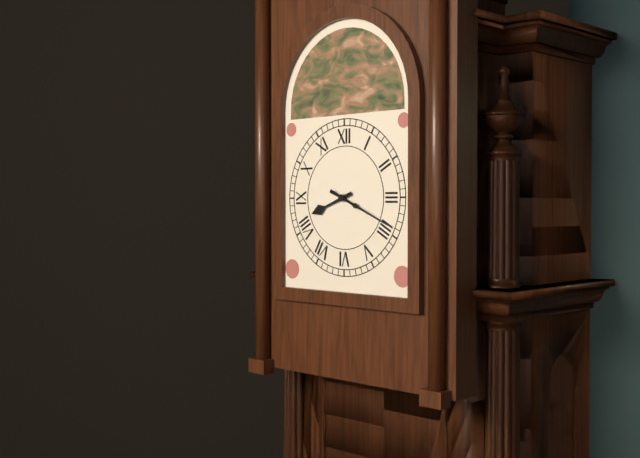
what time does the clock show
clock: 8:19
